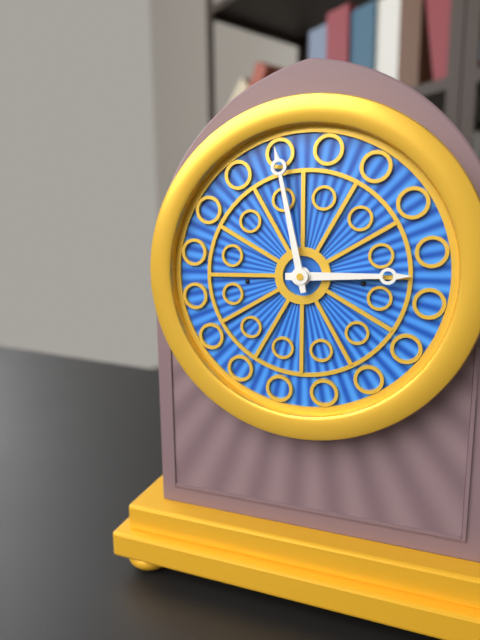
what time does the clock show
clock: 2:58
